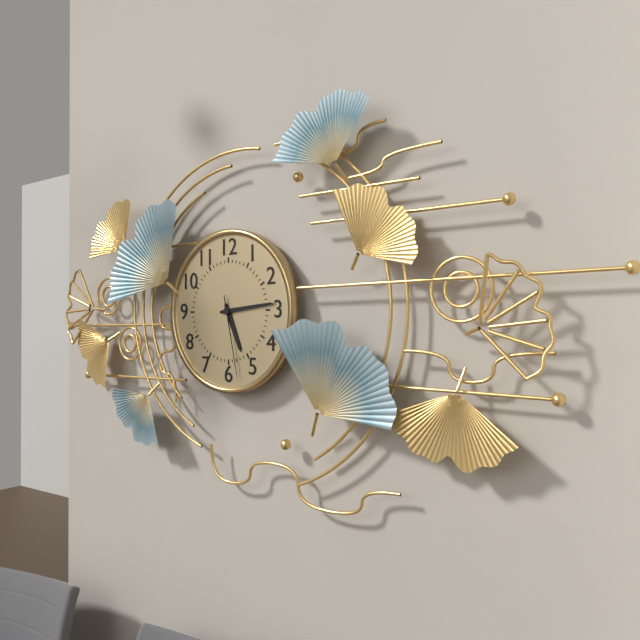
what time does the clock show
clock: 5:14:28
